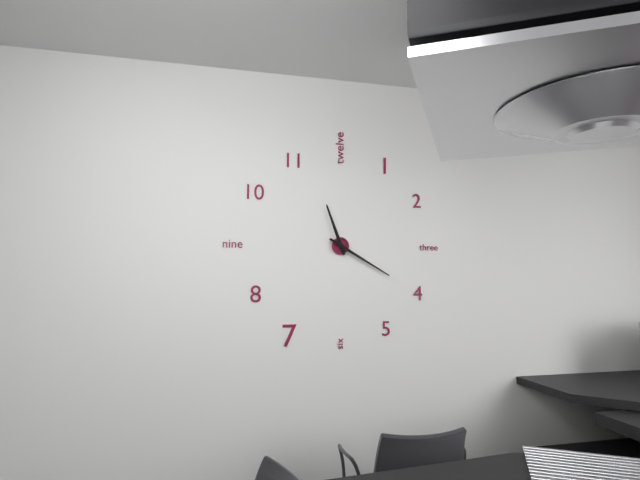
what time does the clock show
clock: 11:20
